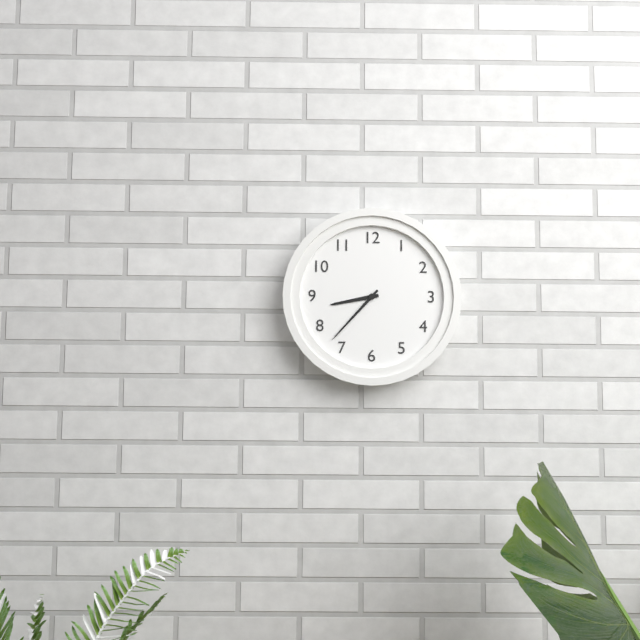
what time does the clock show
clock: 8:37
